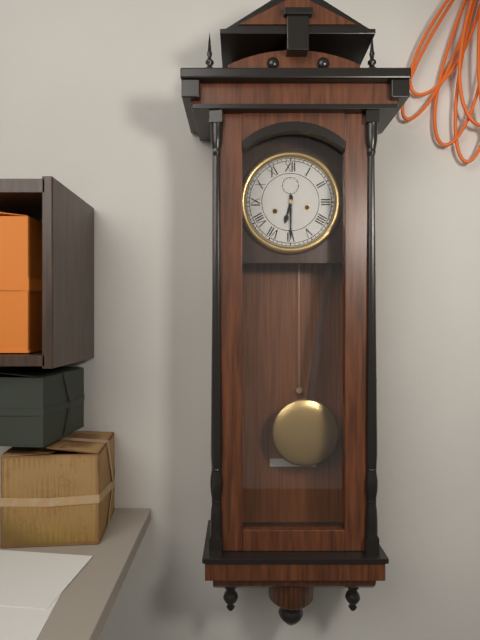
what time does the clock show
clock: 6:30
